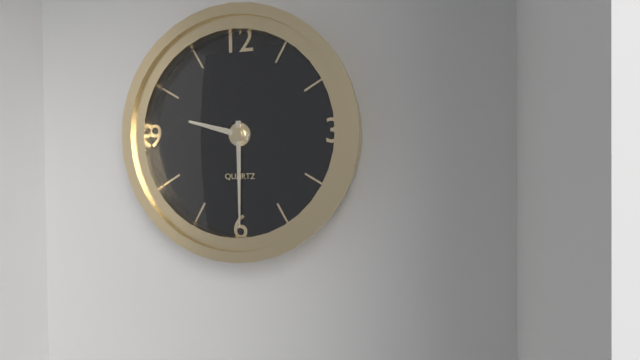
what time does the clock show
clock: 9:30
